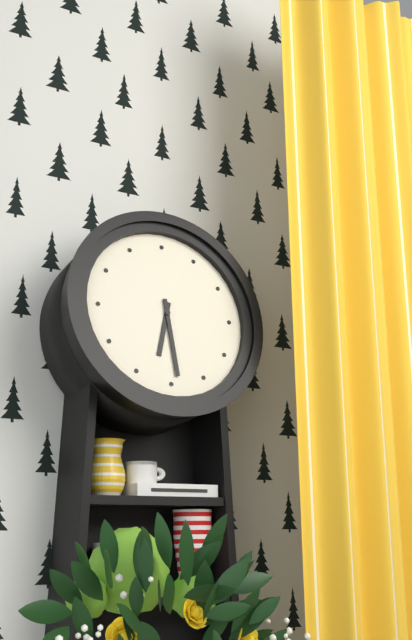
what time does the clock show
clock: 6:29
